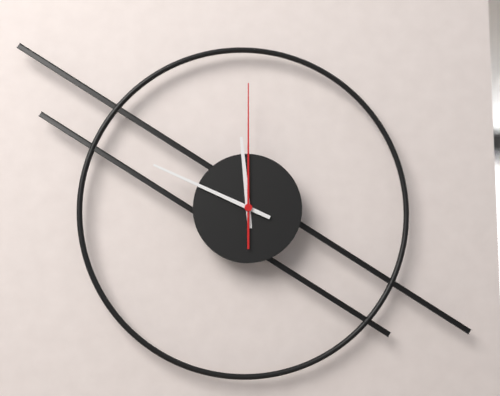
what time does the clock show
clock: 11:49:00
